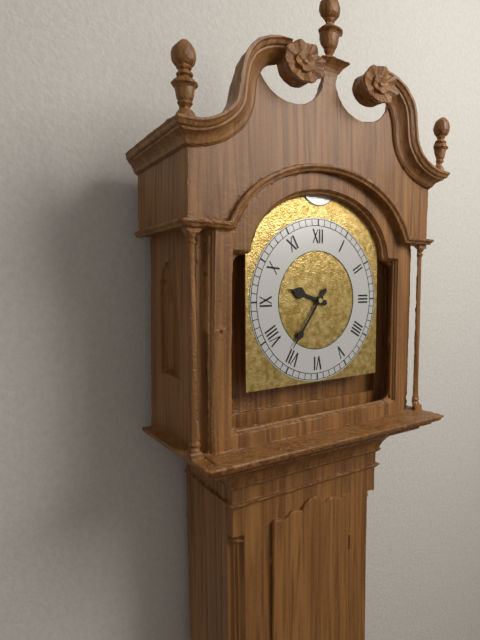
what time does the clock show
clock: 9:36
